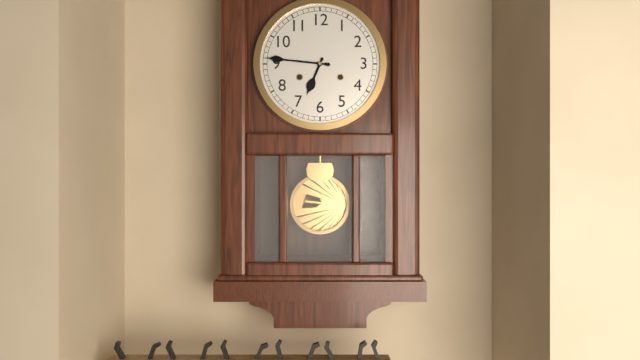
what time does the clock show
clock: 6:46
